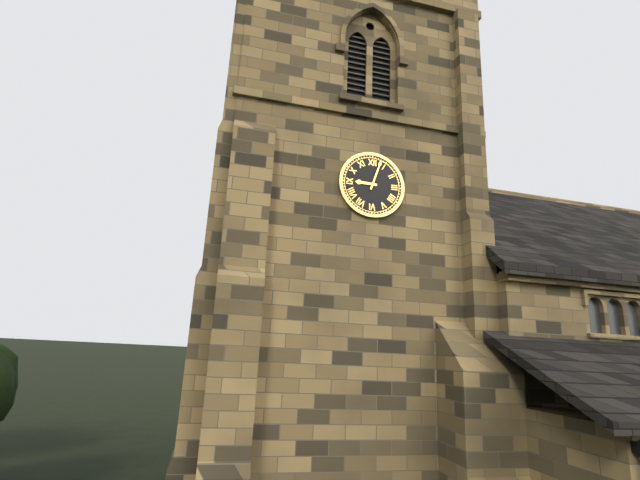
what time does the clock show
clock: 9:03
